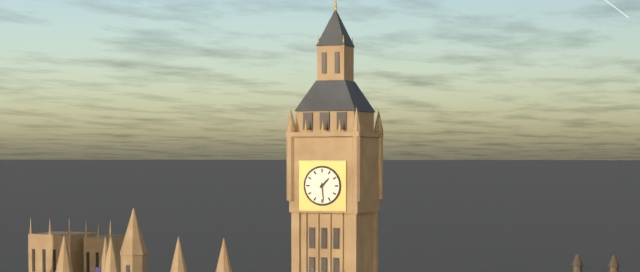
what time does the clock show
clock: 1:29
